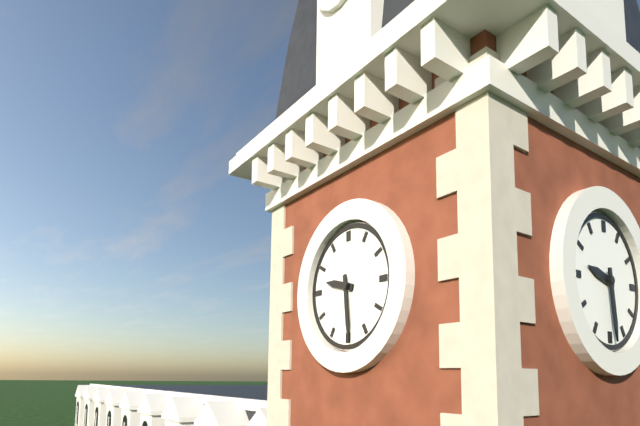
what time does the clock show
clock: 9:29
